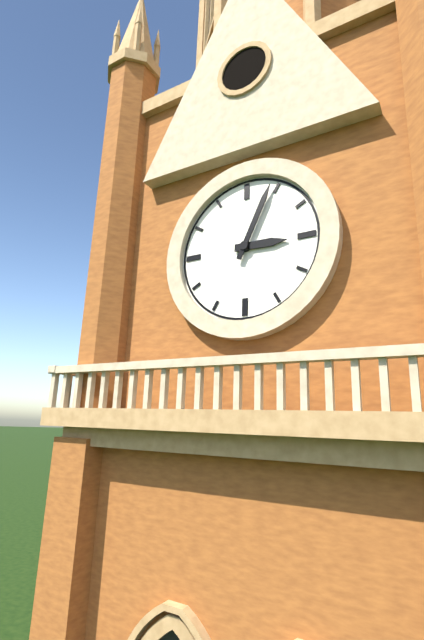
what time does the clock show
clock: 3:04
